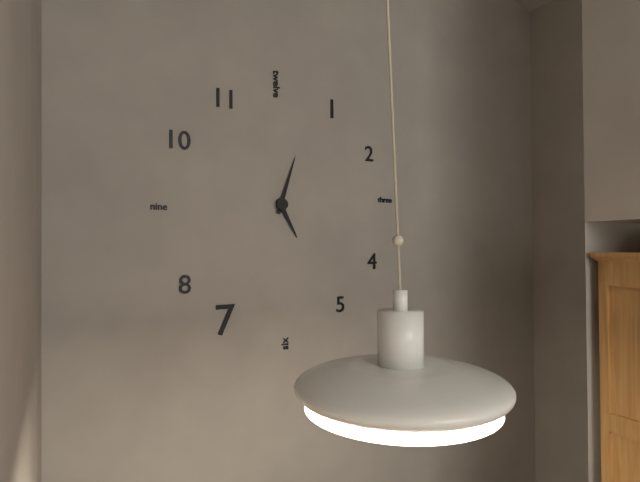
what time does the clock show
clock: 5:03
